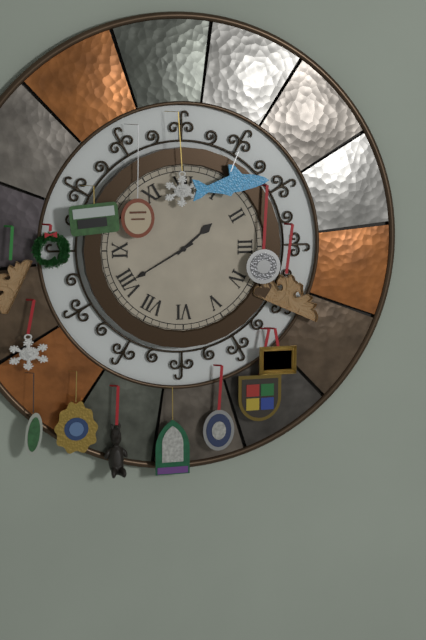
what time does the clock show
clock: 1:40
